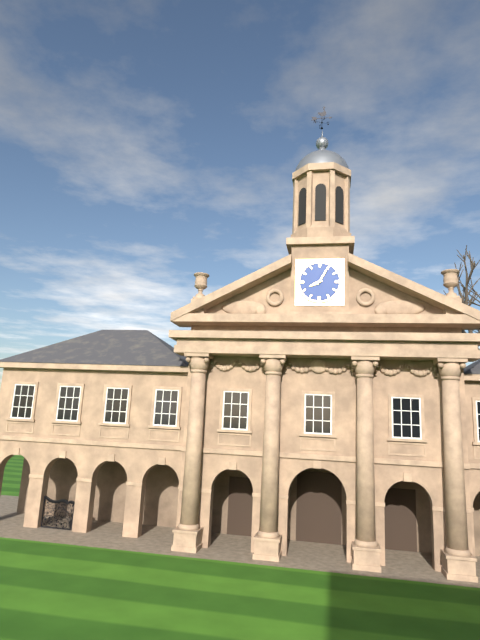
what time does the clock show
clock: 8:05
